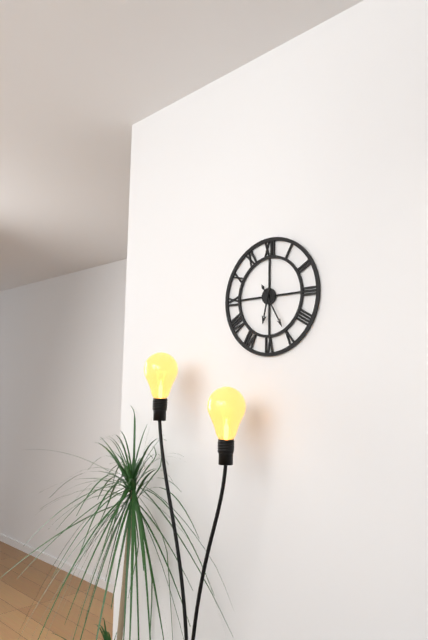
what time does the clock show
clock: 6:25
